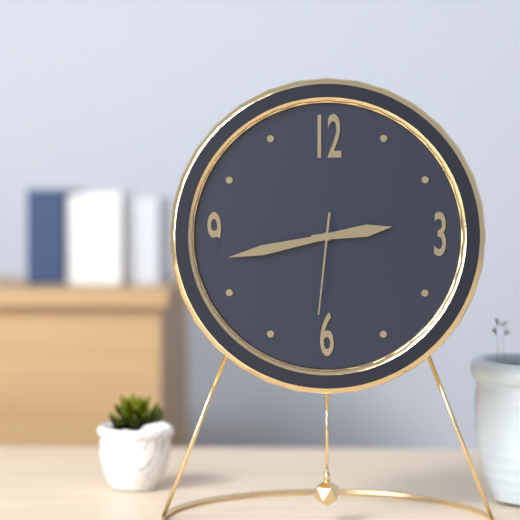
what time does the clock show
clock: 2:43:31
